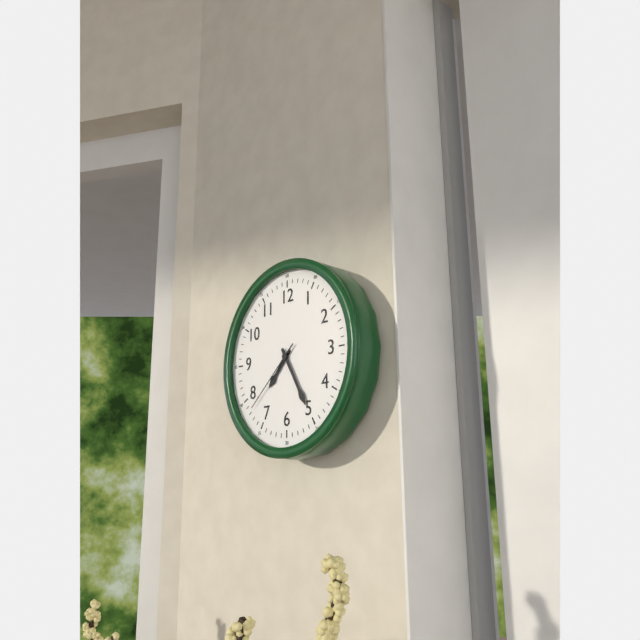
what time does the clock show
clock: 7:25:38
